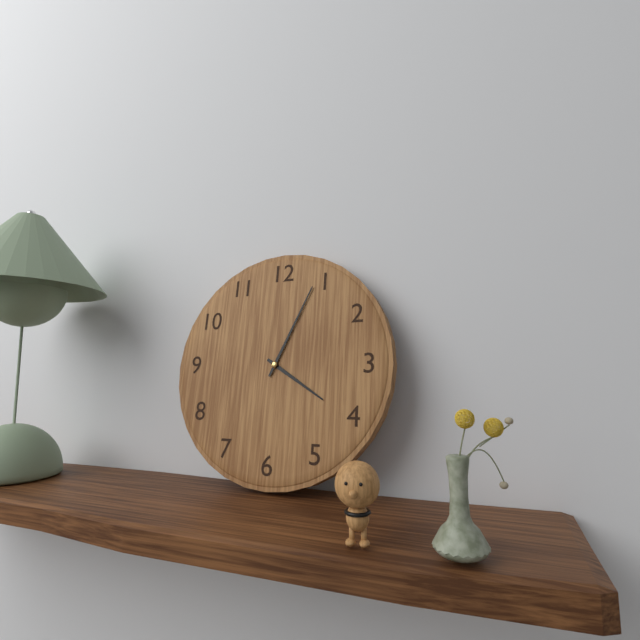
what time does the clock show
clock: 4:04
